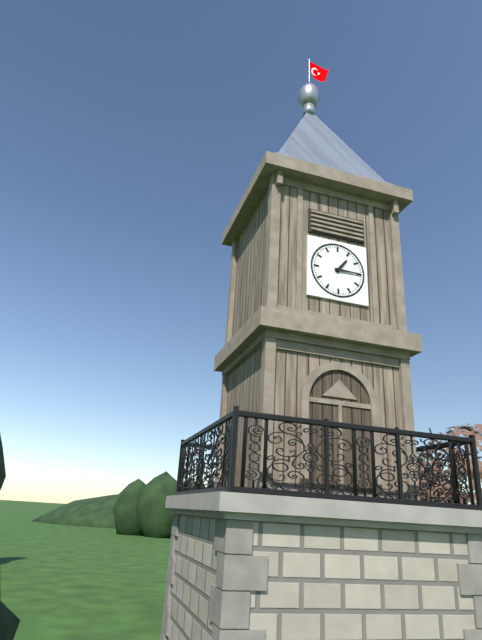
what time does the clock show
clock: 1:15
